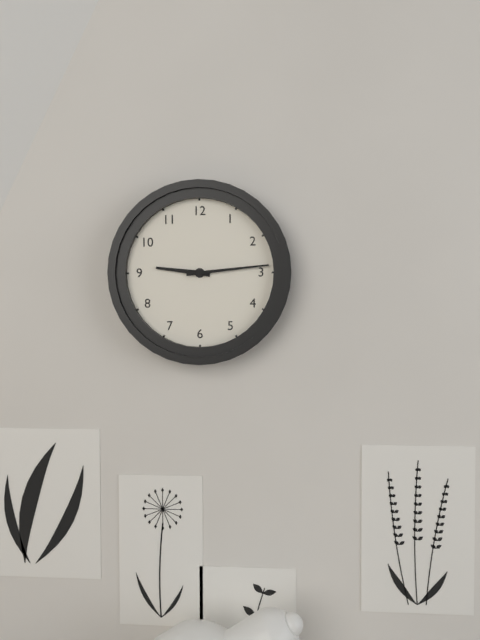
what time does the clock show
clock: 9:14
